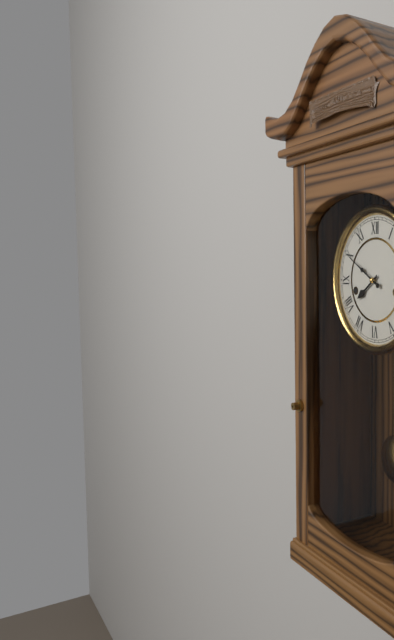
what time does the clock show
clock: 7:50
